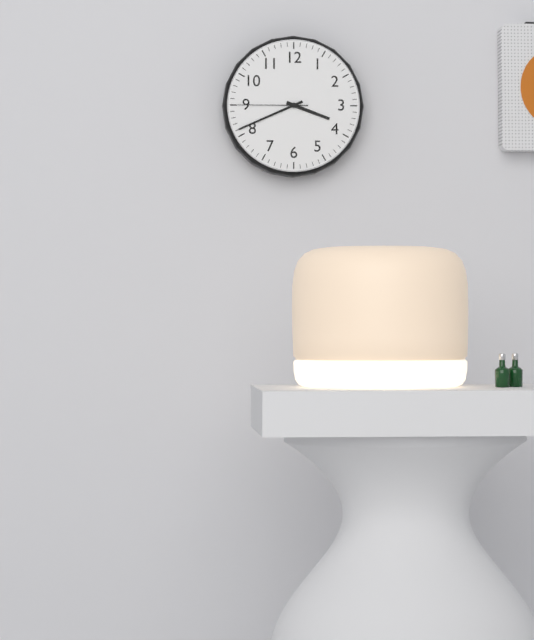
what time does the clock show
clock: 3:41:45
